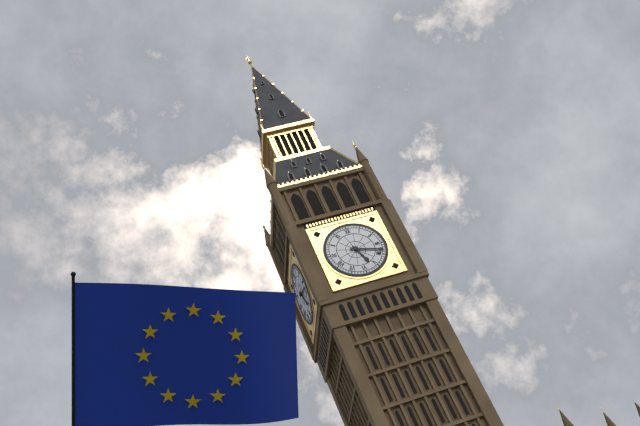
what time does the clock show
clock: 5:18
